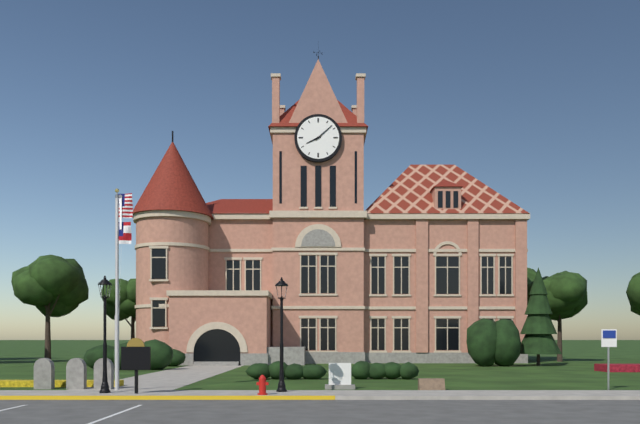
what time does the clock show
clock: 8:08
